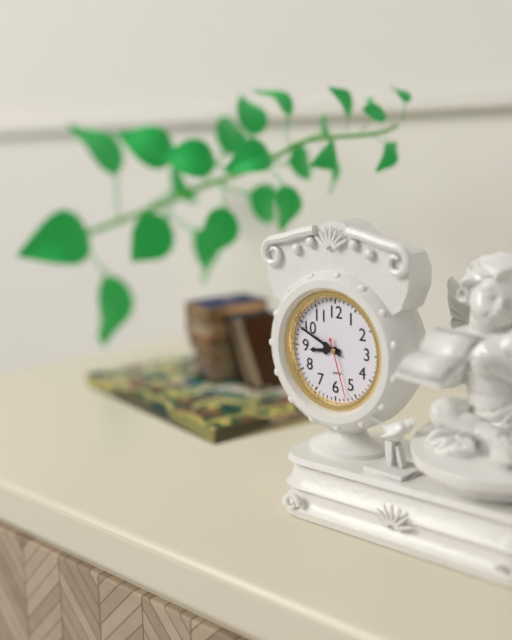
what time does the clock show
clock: 8:49:27
